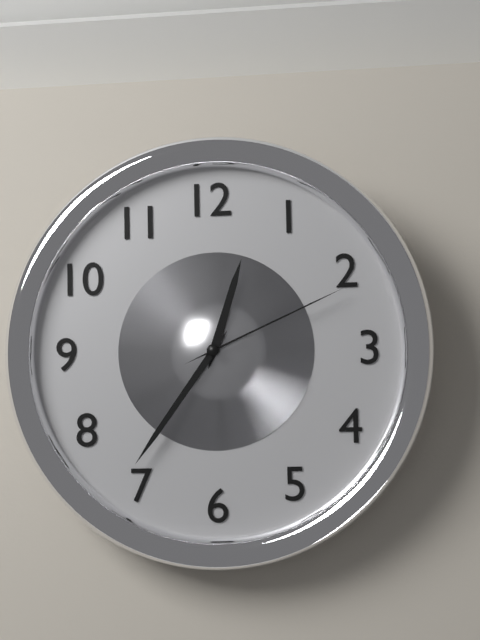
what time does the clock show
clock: 12:36:11
